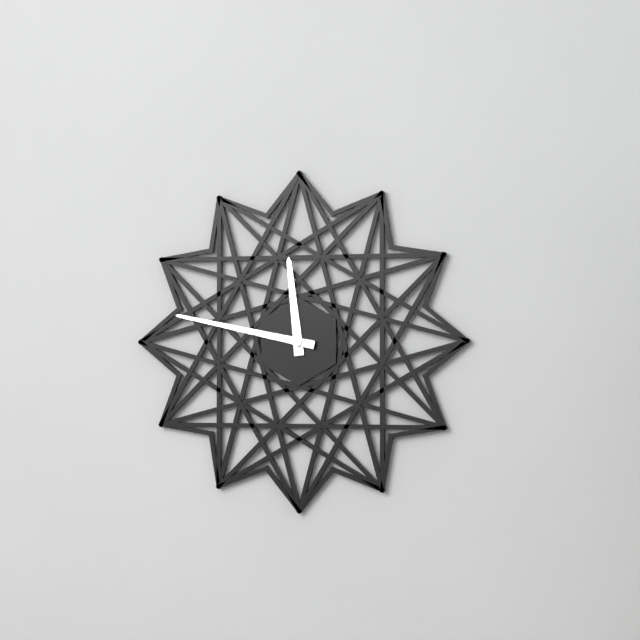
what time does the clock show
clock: 11:47
